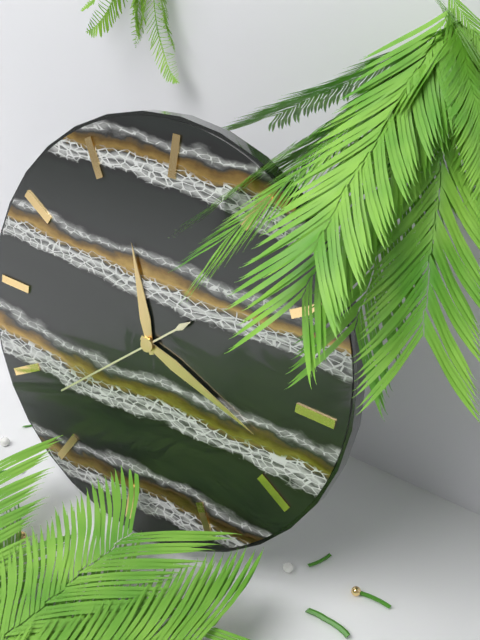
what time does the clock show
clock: 11:18:38
